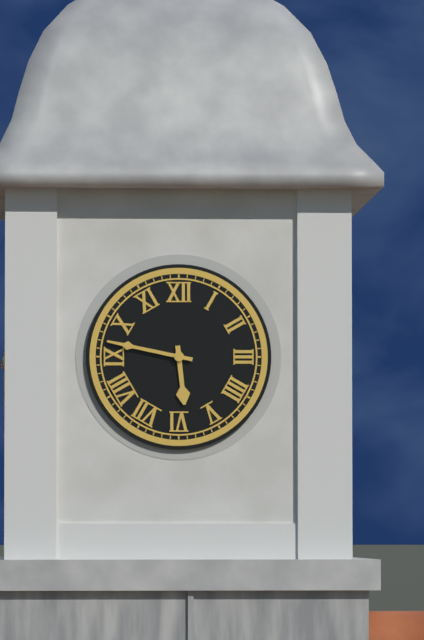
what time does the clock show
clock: 5:47
